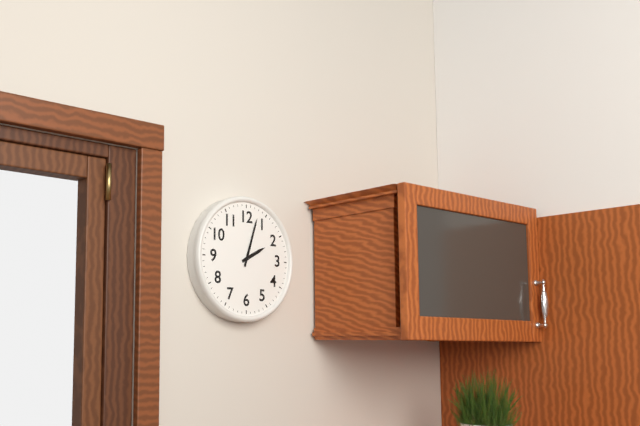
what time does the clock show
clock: 2:03
